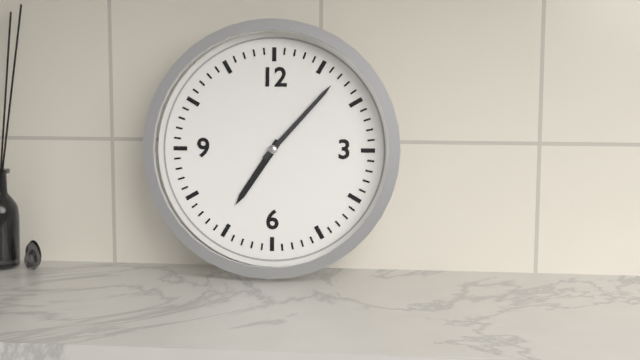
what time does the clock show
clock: 7:07
